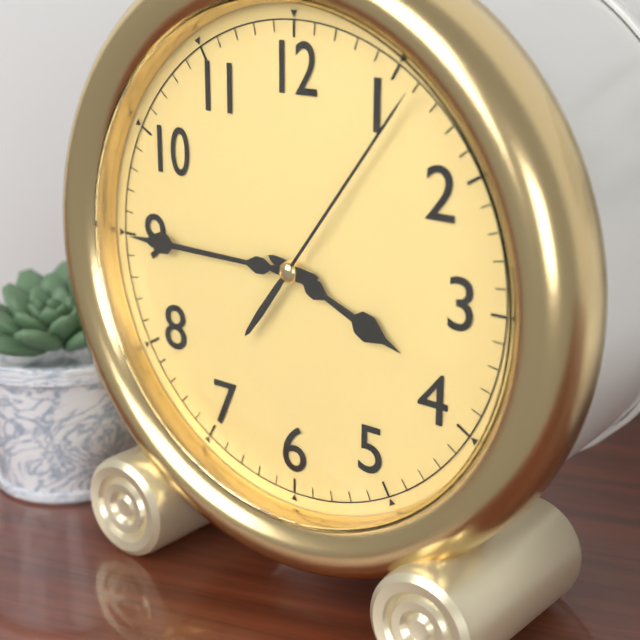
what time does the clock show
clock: 3:45:06
